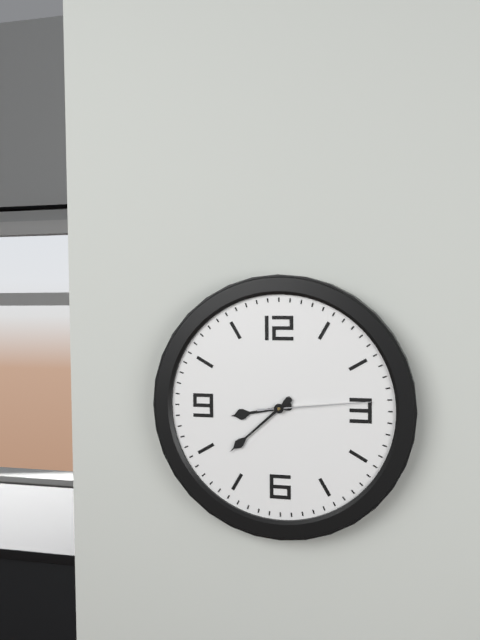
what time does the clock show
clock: 8:38:14
